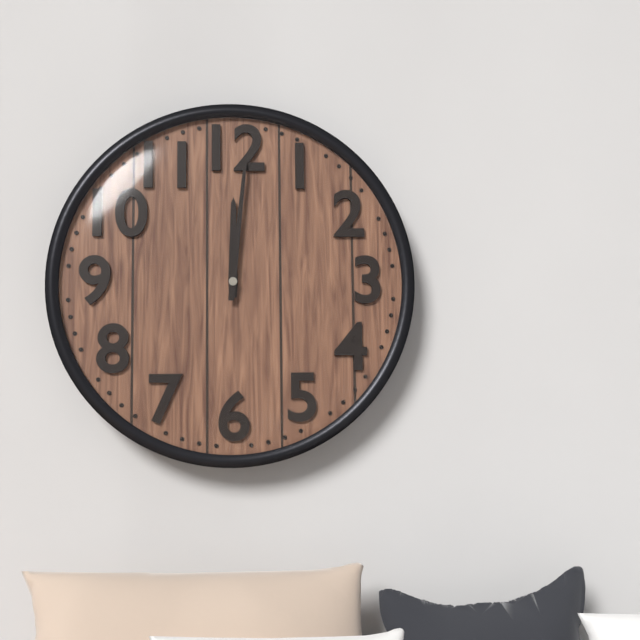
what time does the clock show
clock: 12:01
